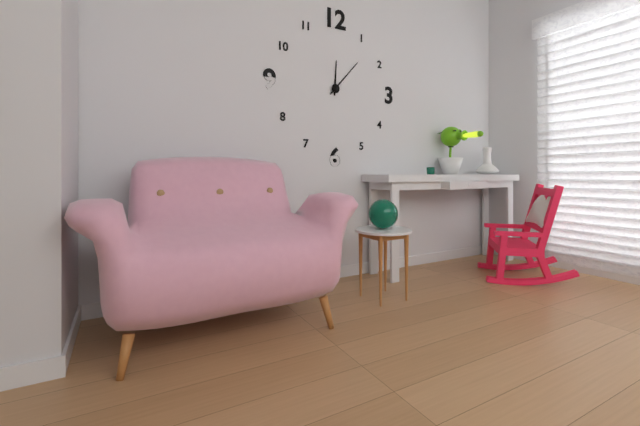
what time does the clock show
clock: 12:07
